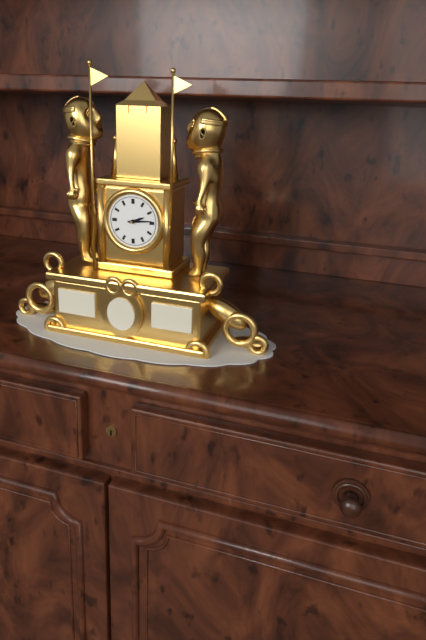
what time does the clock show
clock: 2:14
